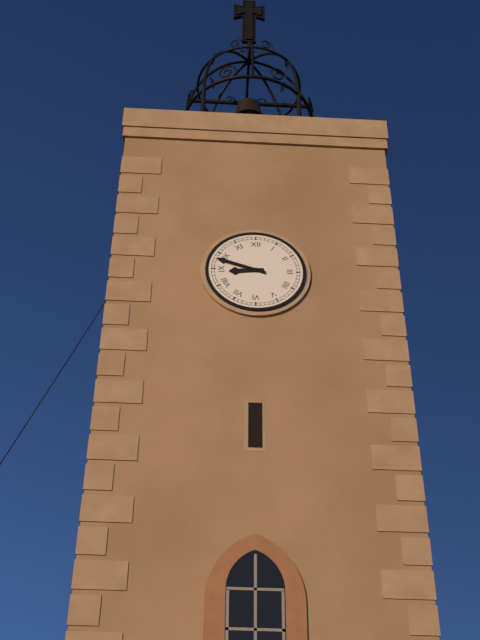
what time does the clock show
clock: 8:48
